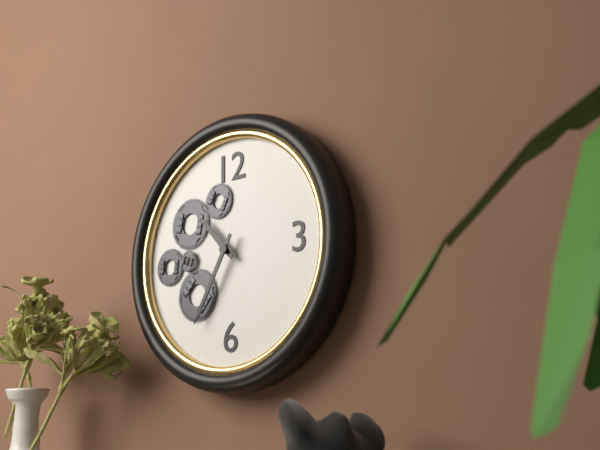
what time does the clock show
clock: 10:35
